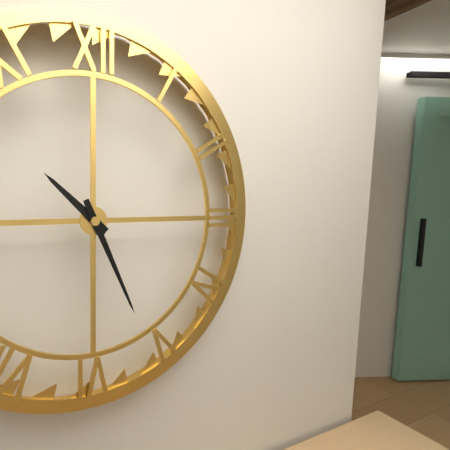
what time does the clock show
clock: 10:26
